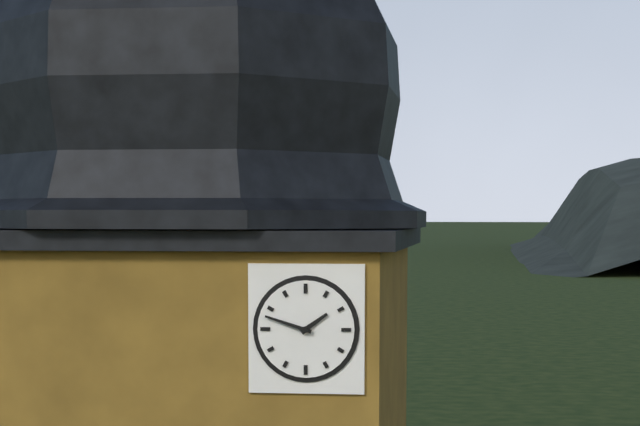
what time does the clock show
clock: 1:48
